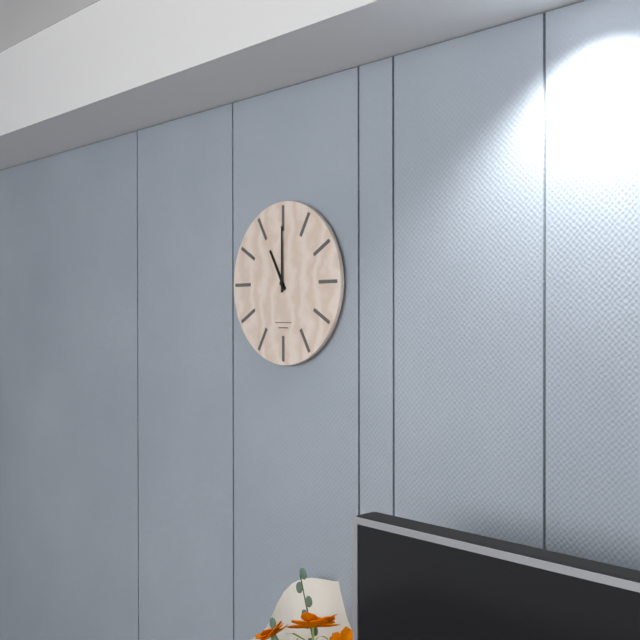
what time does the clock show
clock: 11:00
